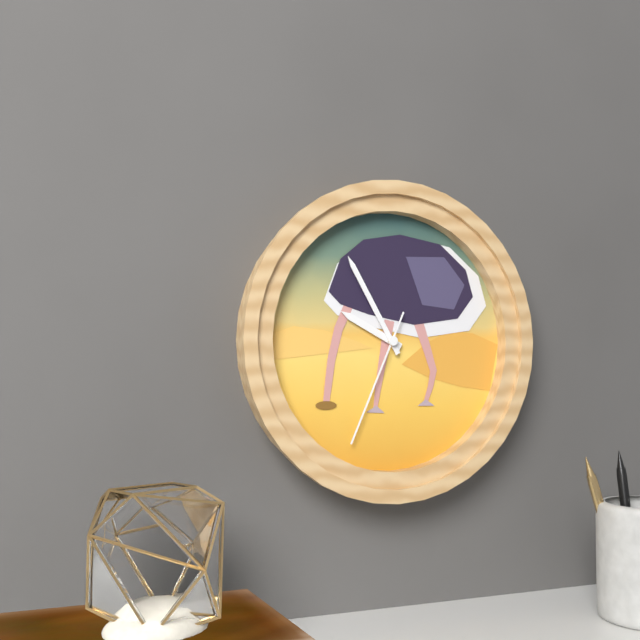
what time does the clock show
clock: 9:55:34
